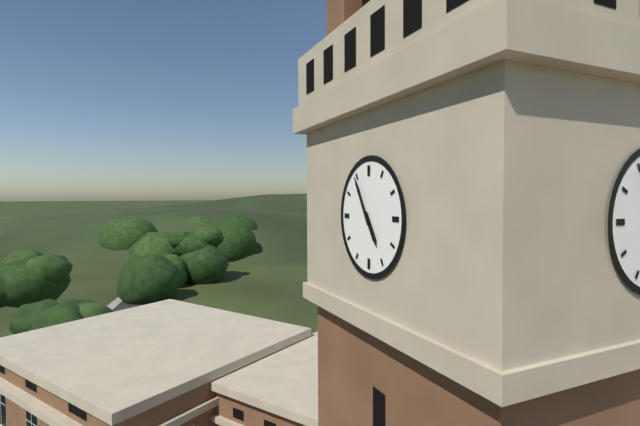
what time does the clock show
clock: 4:55
